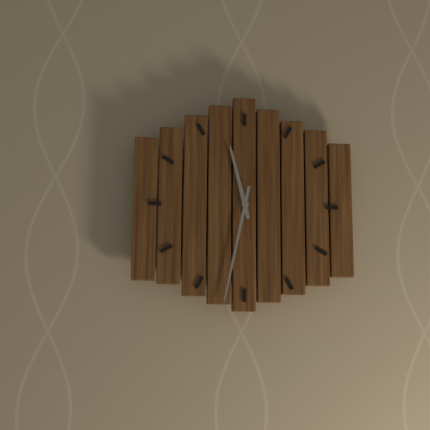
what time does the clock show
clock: 11:32
